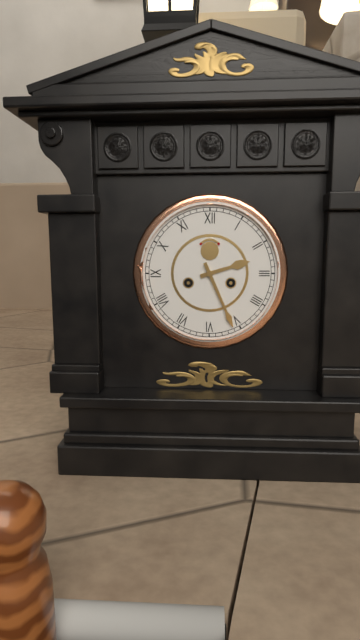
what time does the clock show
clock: 2:26
